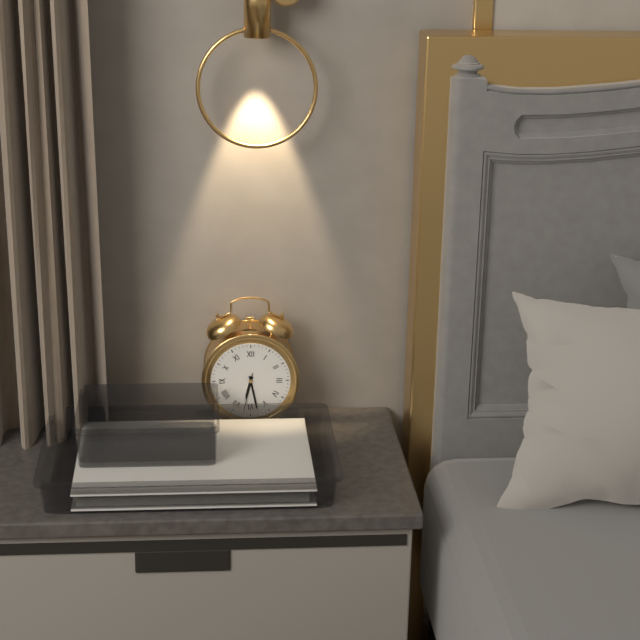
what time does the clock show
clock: 6:28
